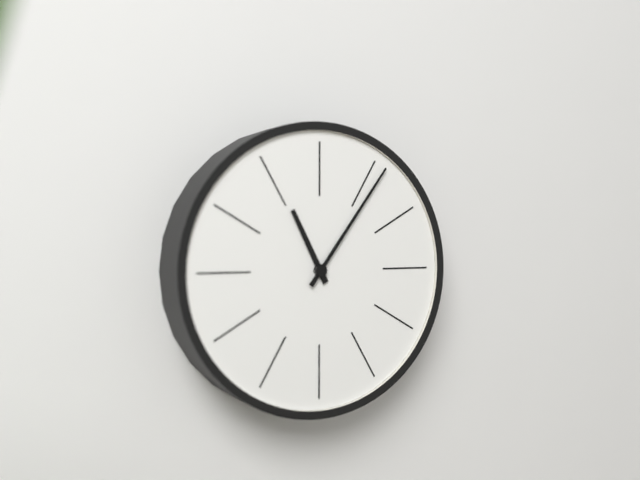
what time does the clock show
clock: 11:06
